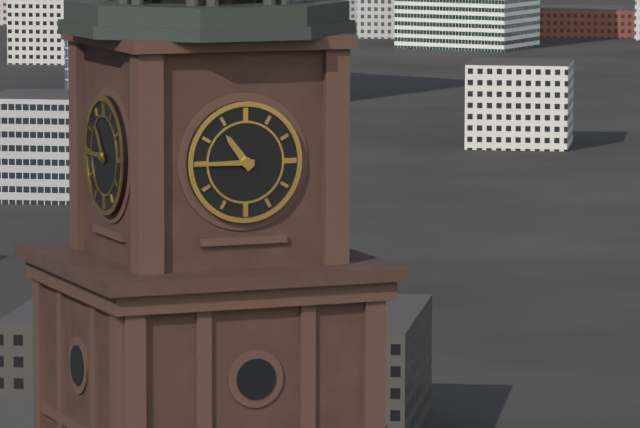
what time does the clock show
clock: 10:45
